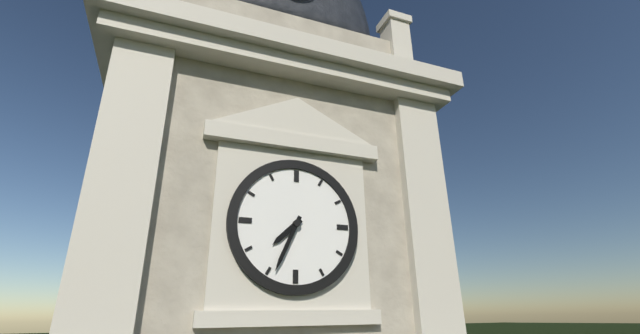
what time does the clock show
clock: 7:34
